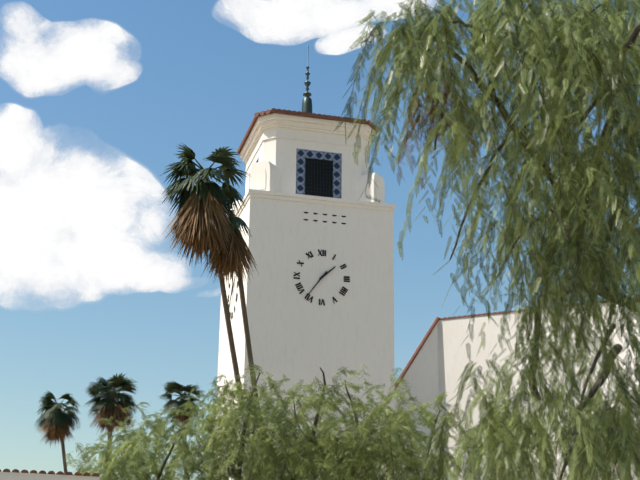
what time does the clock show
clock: 1:36
